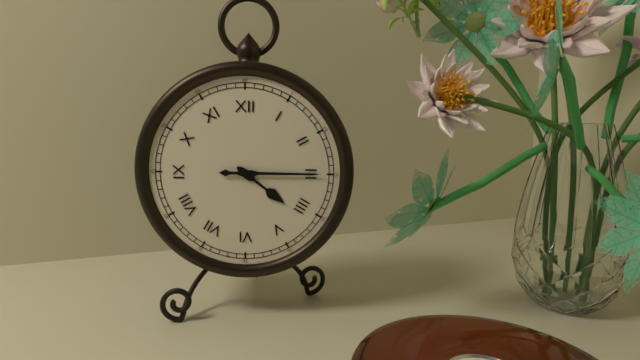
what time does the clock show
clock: 4:15
